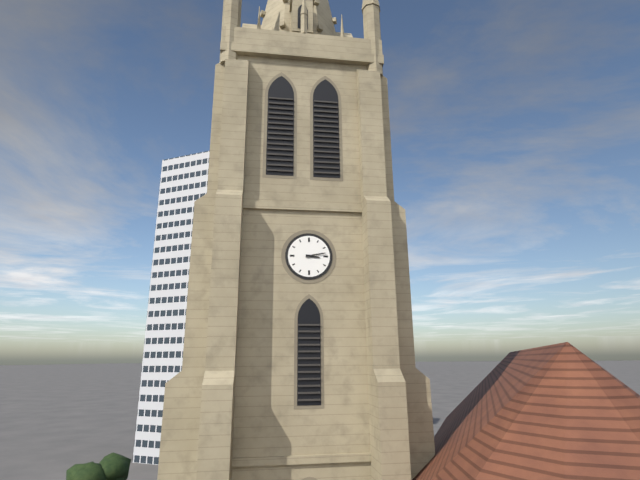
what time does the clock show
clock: 3:13
